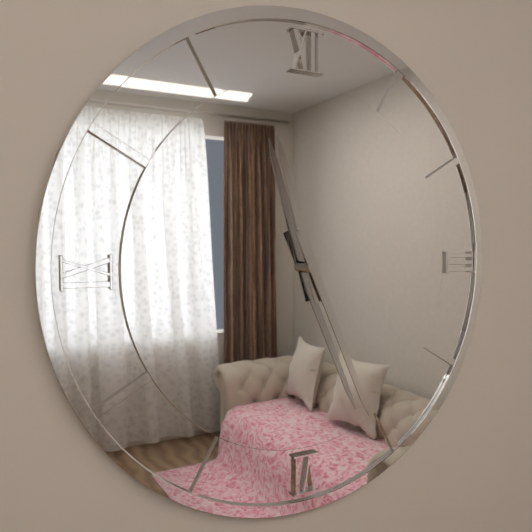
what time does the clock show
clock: 11:26
